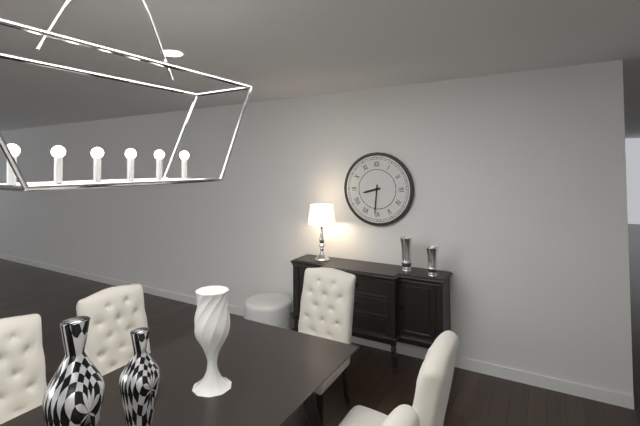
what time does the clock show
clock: 8:31
